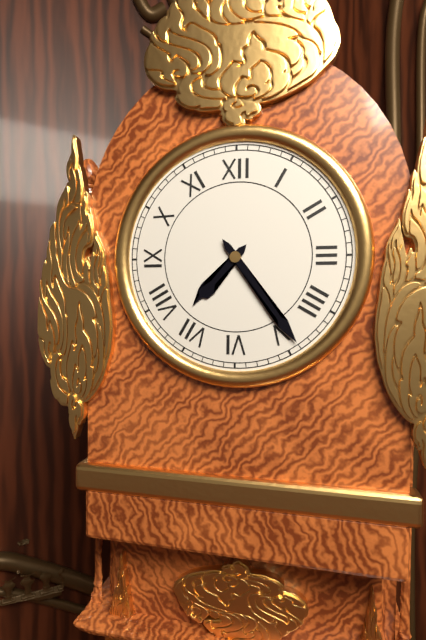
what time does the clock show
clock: 7:24
